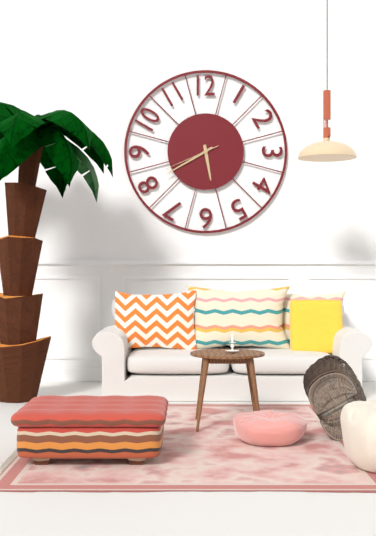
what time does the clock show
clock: 5:40:41
